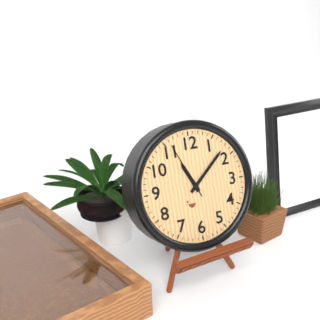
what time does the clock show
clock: 11:08:56
